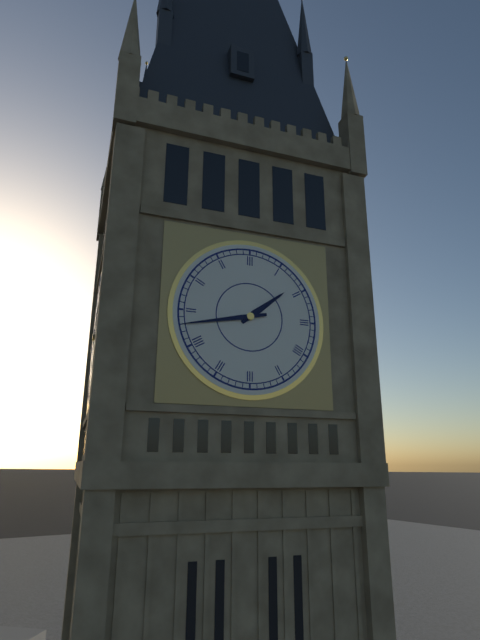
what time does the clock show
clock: 1:43
